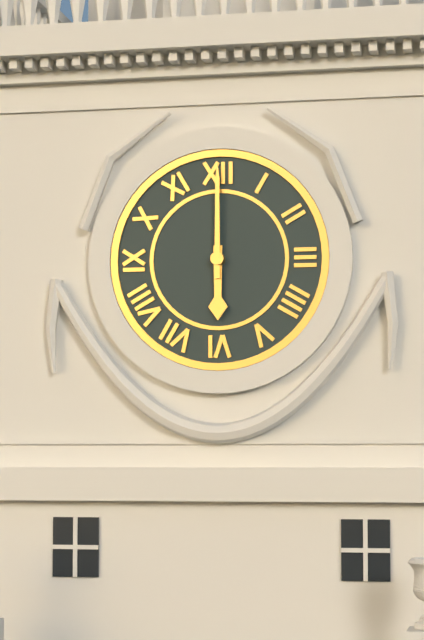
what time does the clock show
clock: 6:00
